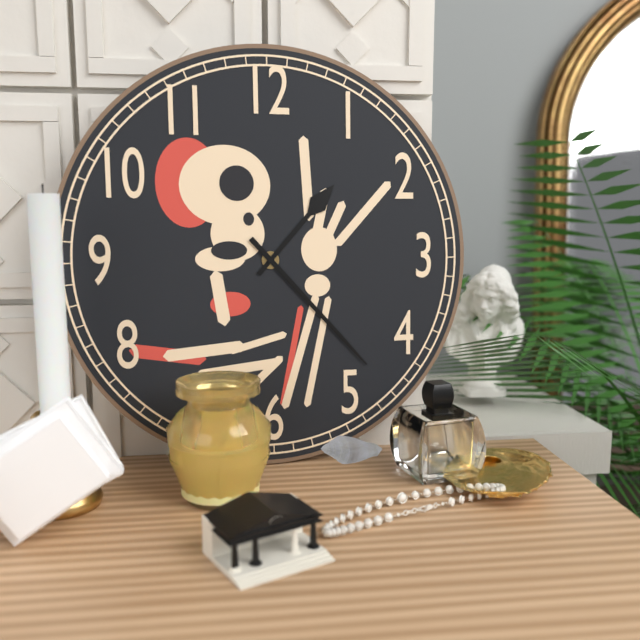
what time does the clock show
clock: 1:23
